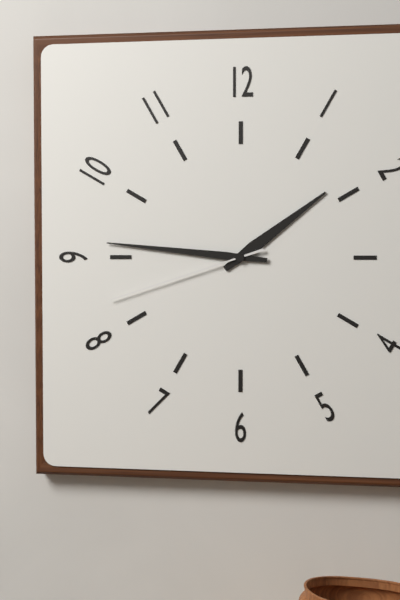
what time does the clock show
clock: 1:46:42
